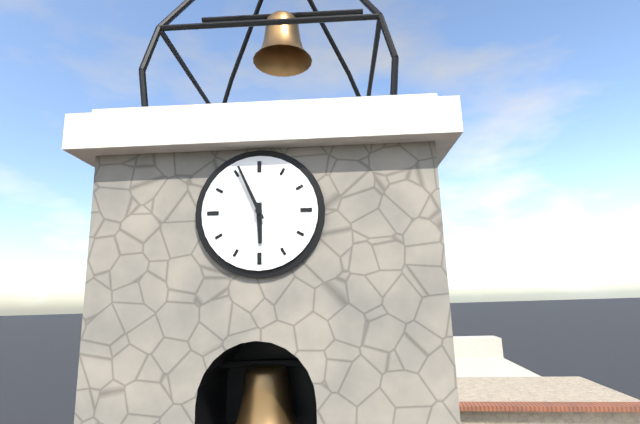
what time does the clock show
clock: 5:56
